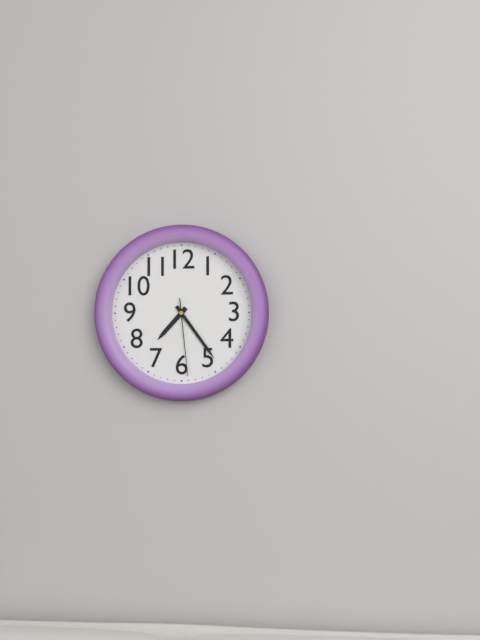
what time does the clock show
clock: 7:24:29
